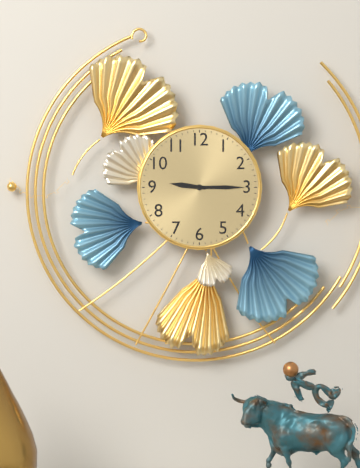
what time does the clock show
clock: 9:15
